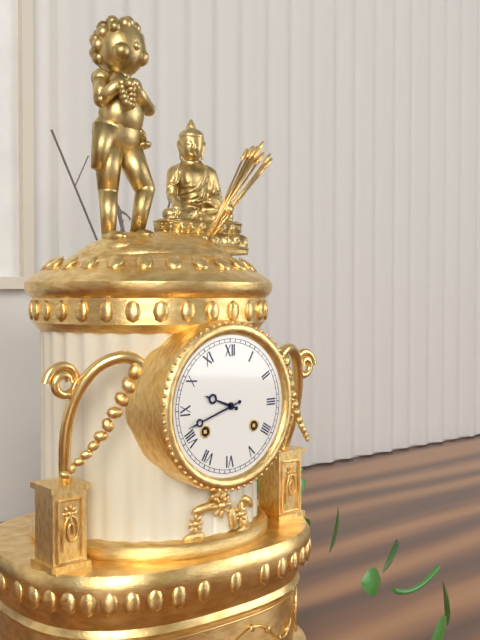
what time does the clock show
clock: 9:42
